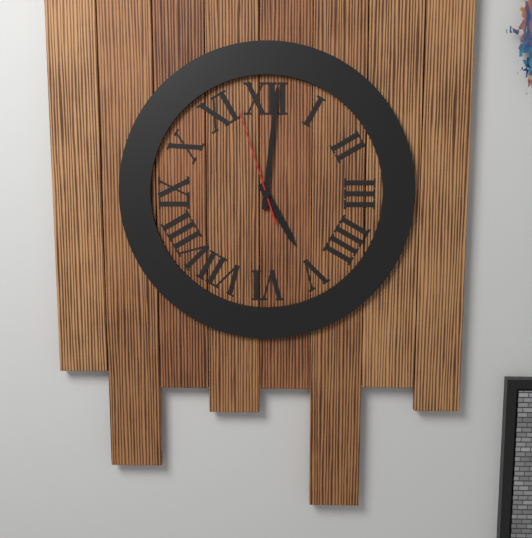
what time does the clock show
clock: 5:01:57
